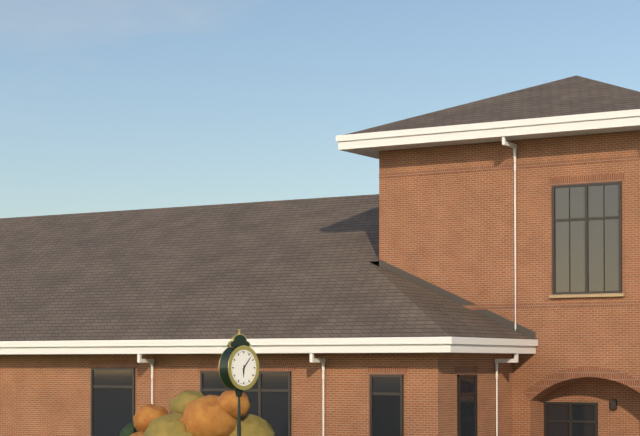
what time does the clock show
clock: 6:07
